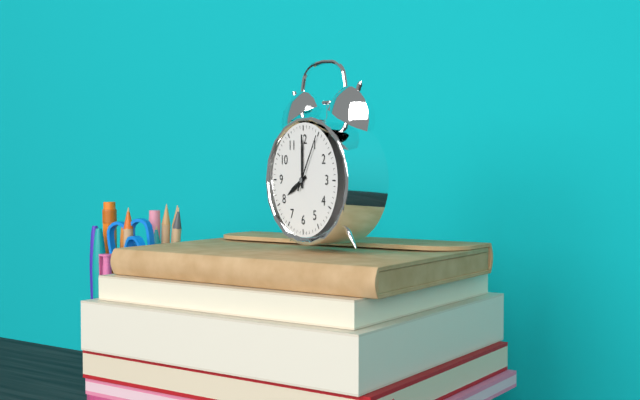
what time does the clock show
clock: 8:00:05
